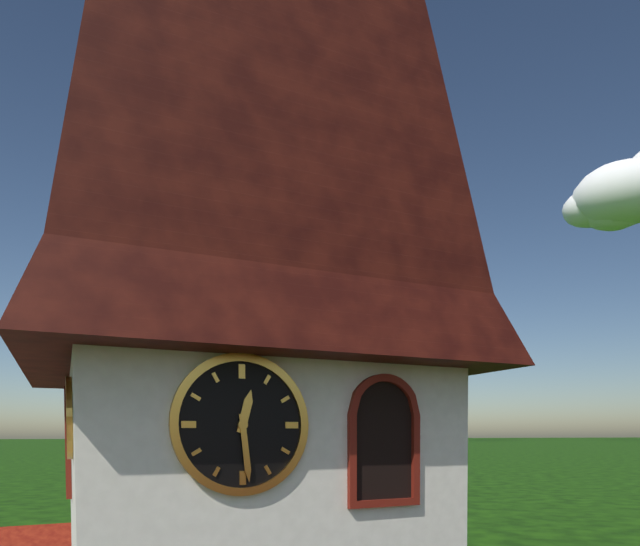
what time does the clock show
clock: 12:29
